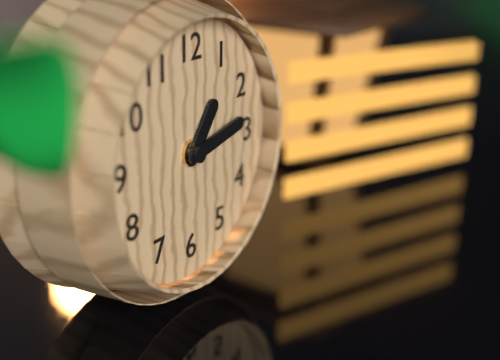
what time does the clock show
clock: 1:13
